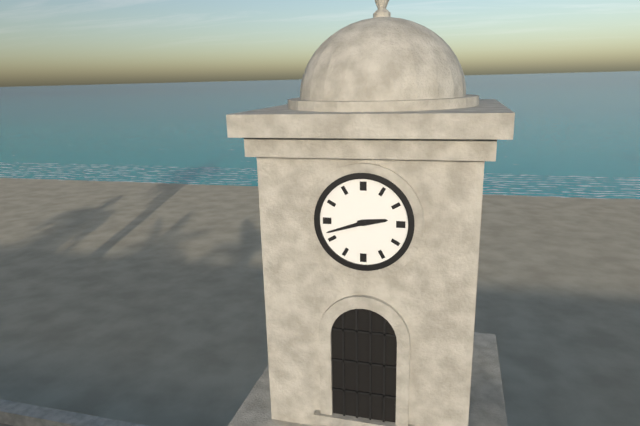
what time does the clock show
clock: 2:42
